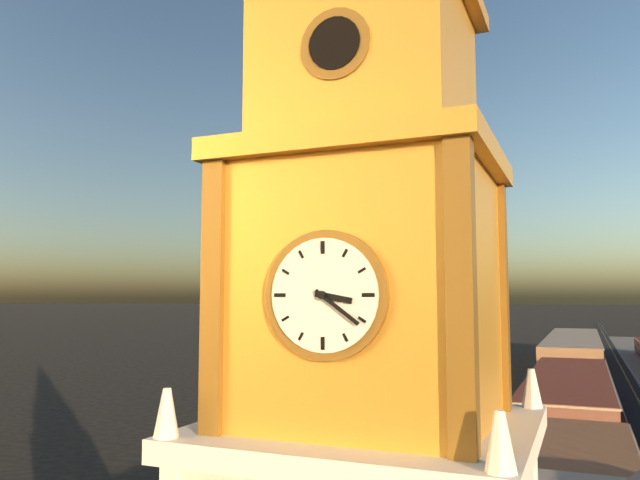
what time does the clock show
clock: 3:21
